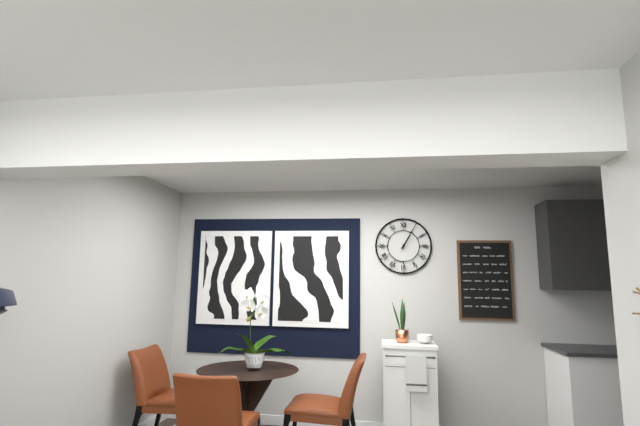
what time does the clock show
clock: 1:05
